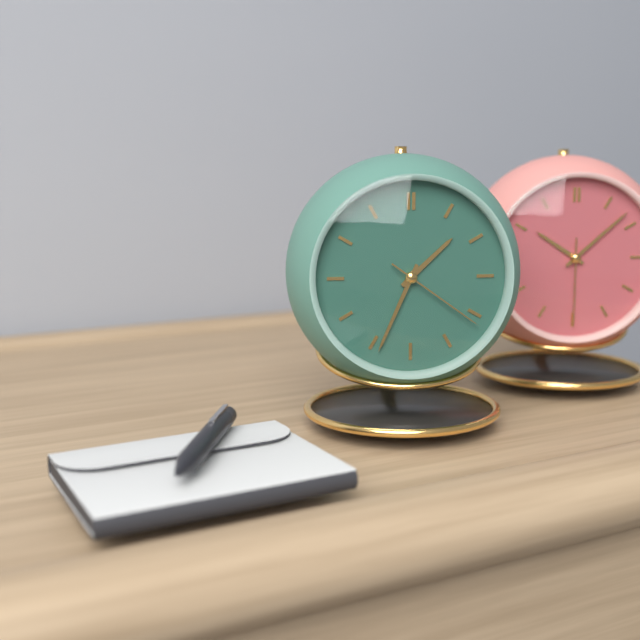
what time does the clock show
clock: 1:34:21
